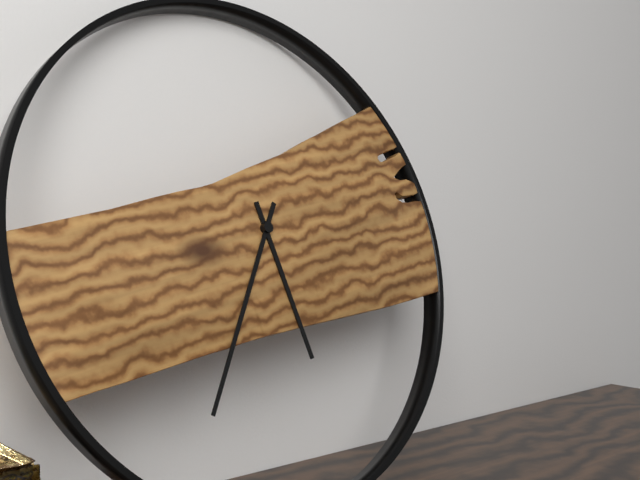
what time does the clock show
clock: 5:35
